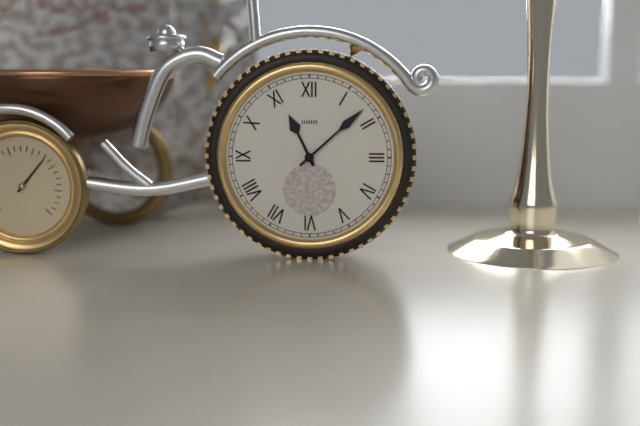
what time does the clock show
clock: 11:08
